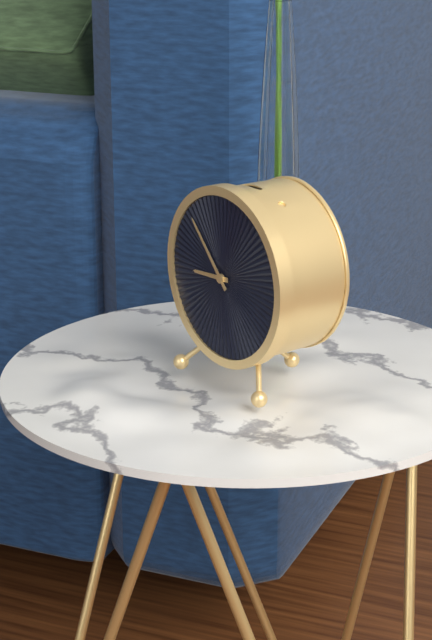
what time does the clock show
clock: 8:53
